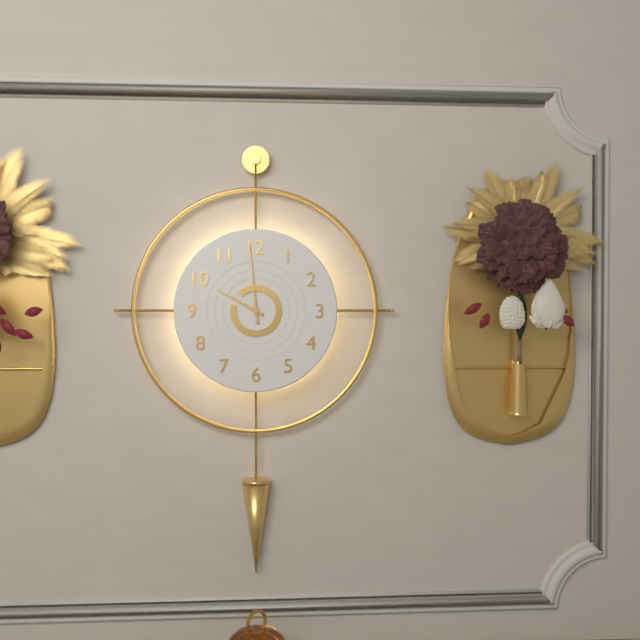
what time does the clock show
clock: 9:59
